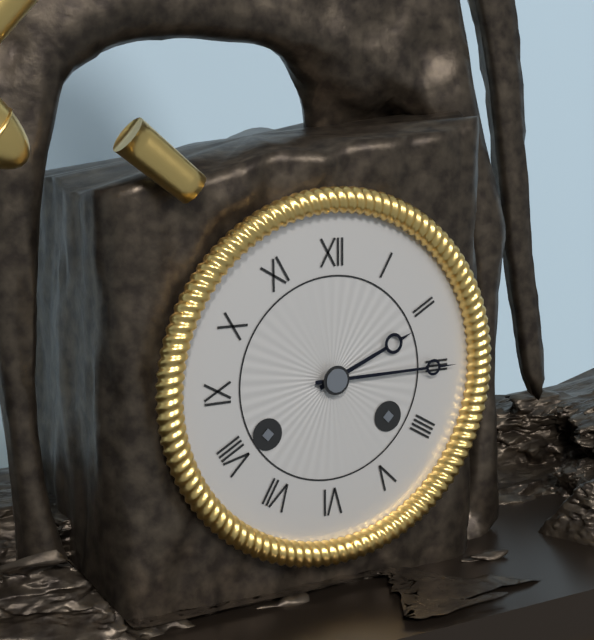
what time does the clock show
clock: 2:15
